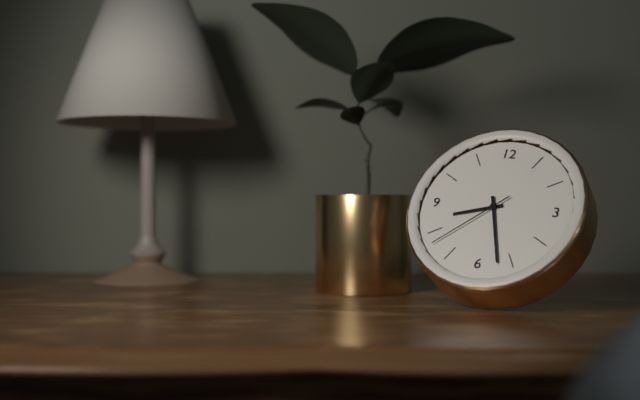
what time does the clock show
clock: 8:27:38
